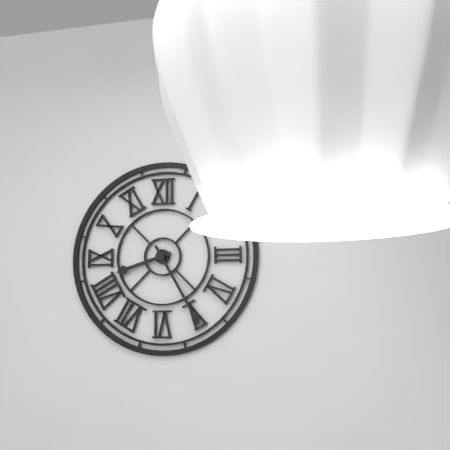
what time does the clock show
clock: 8:25
